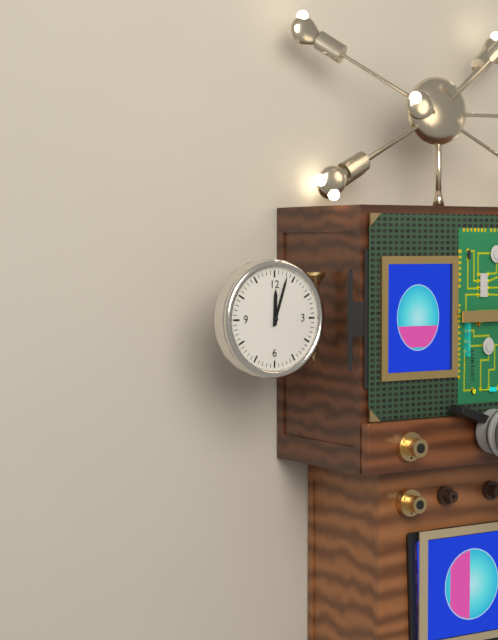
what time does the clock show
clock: 12:03
